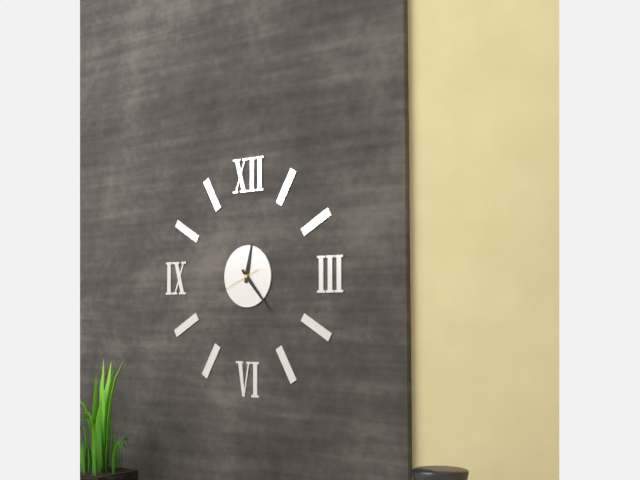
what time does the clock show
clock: 12:23
